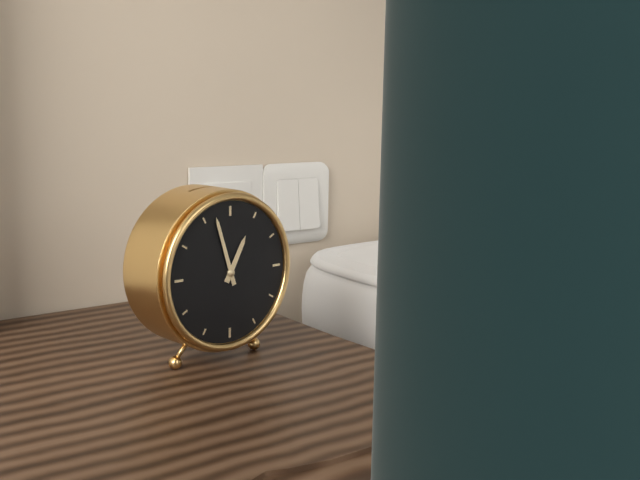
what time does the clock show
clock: 12:57
